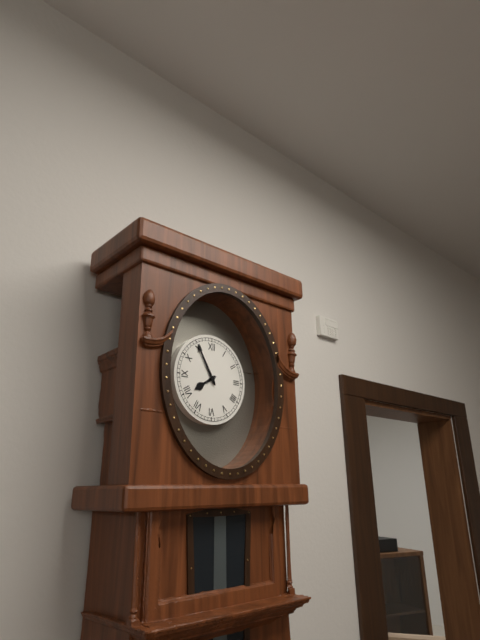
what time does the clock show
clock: 7:55
